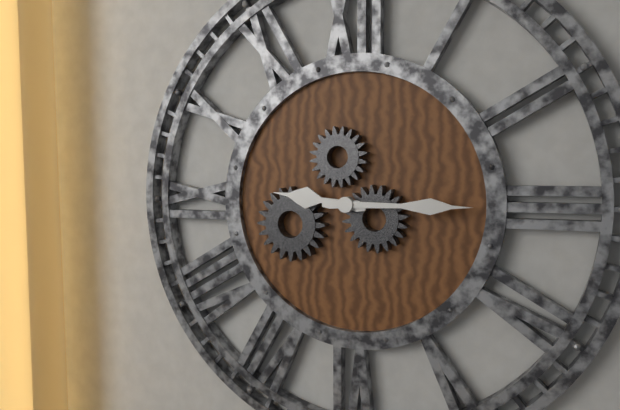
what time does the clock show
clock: 9:15
